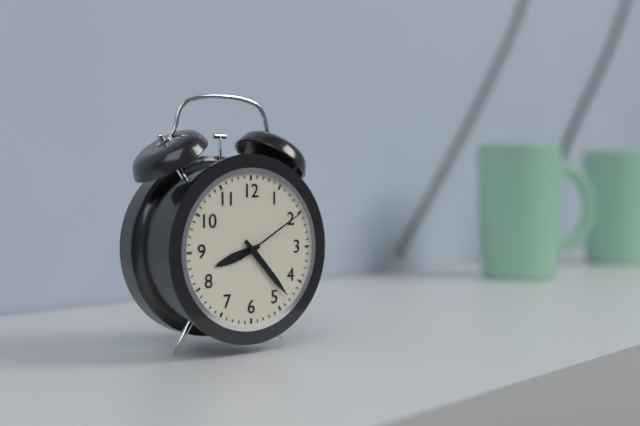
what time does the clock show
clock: 8:23:10
